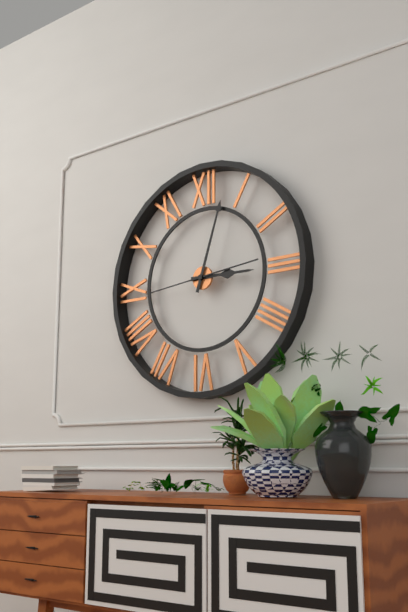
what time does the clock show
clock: 3:03:44
